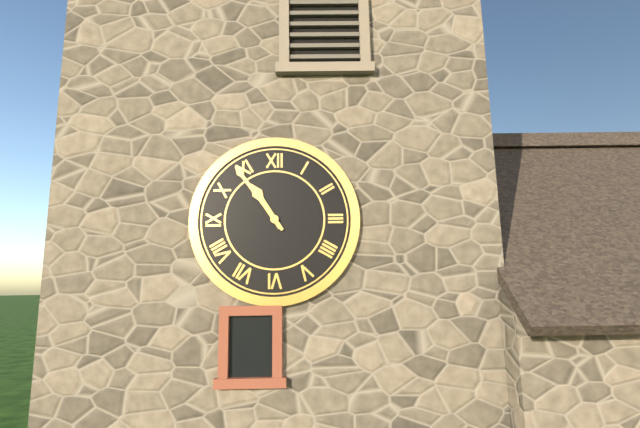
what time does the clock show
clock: 10:54
